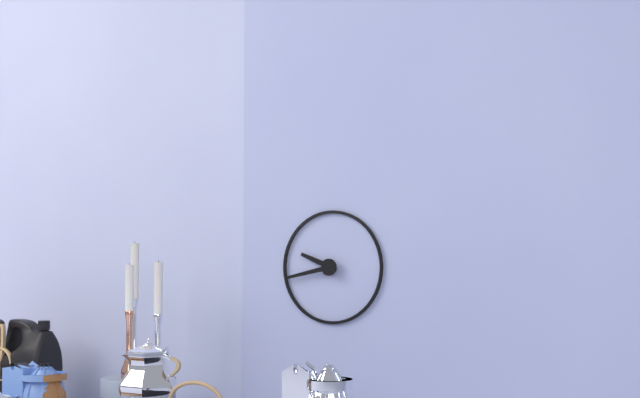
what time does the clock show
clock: 9:43
